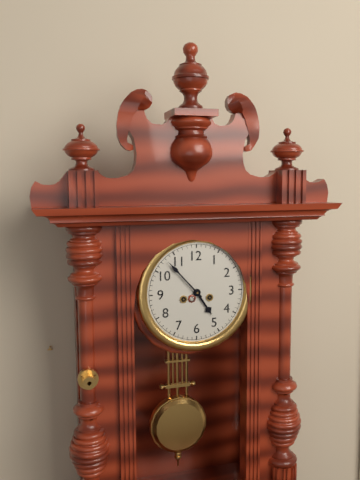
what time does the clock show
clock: 4:53
